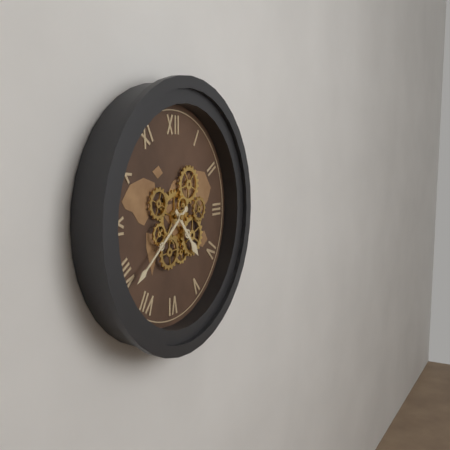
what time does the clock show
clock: 4:39
